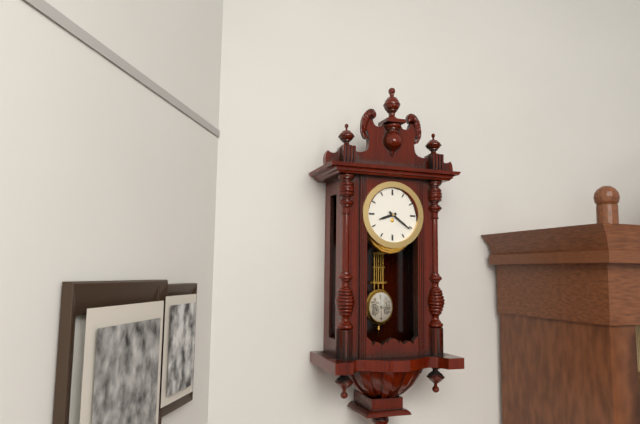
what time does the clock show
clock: 8:21
